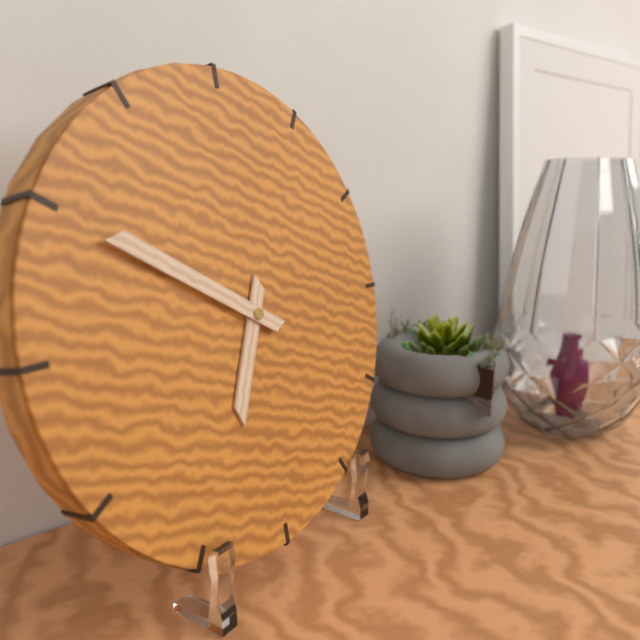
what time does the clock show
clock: 6:50
